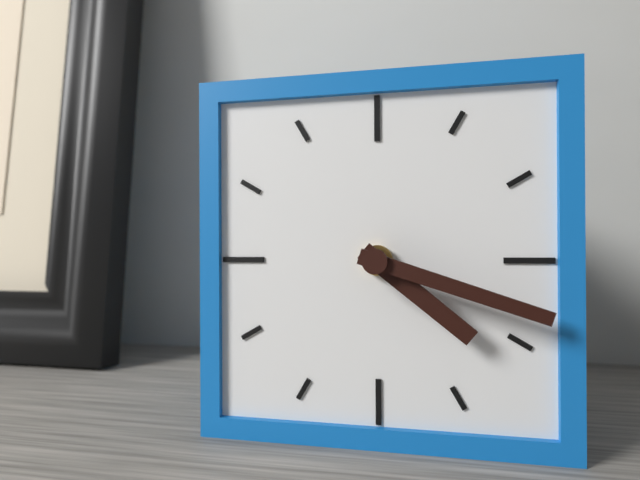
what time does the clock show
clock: 4:18
